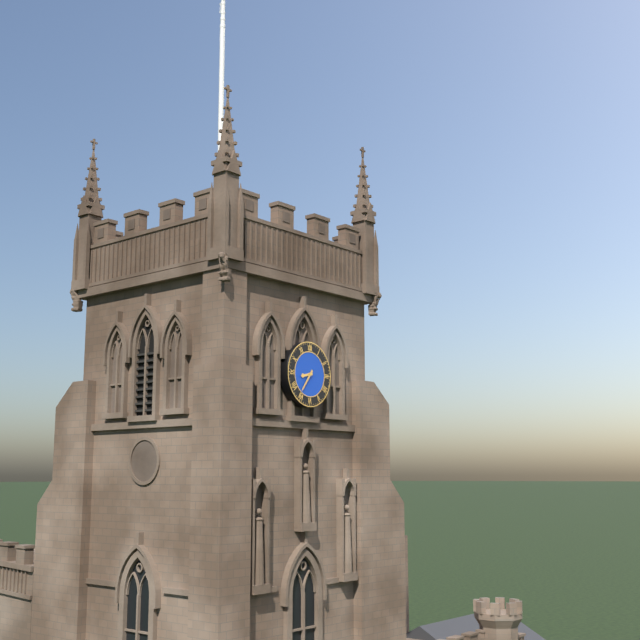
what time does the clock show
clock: 8:36
